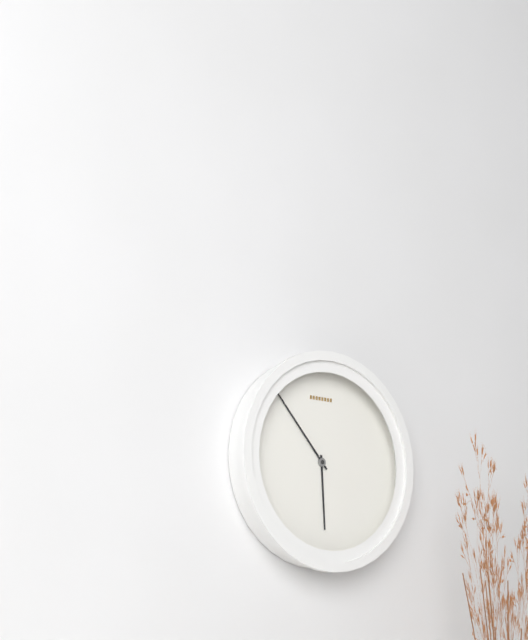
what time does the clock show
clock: 5:53
